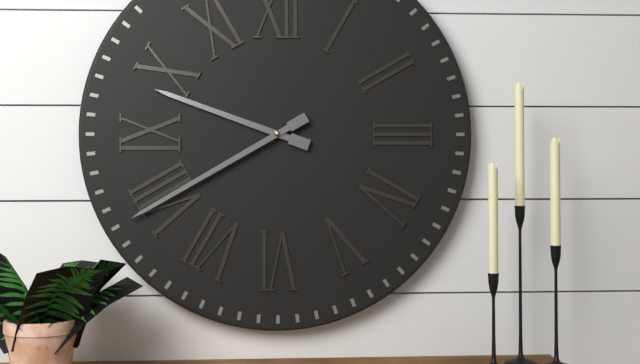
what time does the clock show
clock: 9:40
